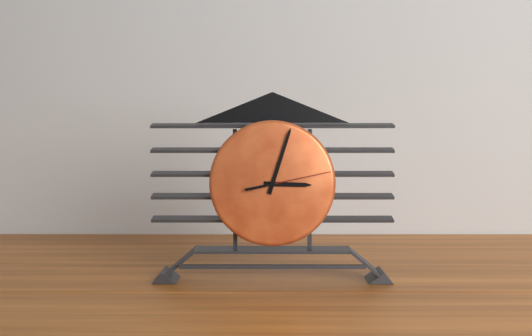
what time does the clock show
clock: 3:03:13
